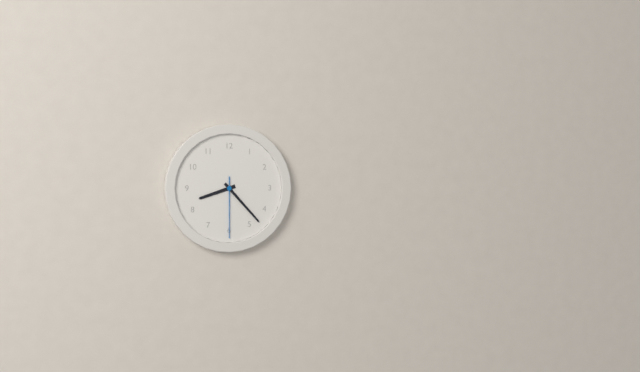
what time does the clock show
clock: 8:23:30
